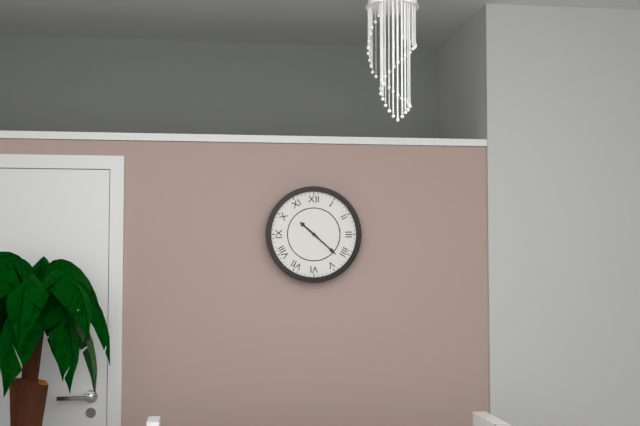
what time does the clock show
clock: 10:22
